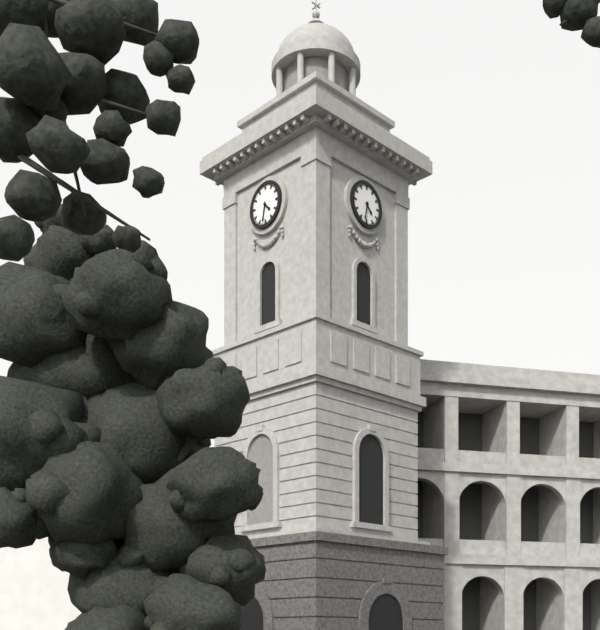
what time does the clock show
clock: 4:32
